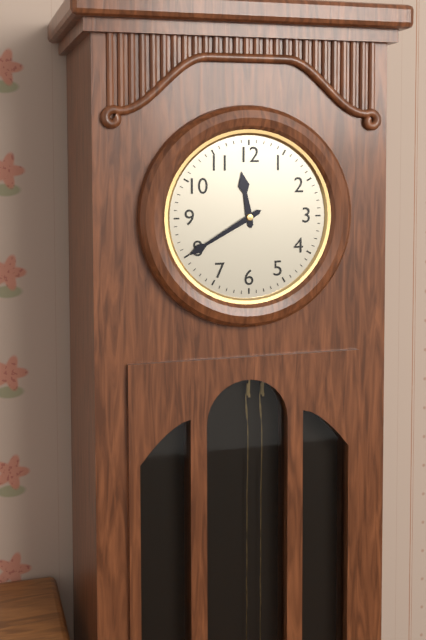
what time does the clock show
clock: 11:40
